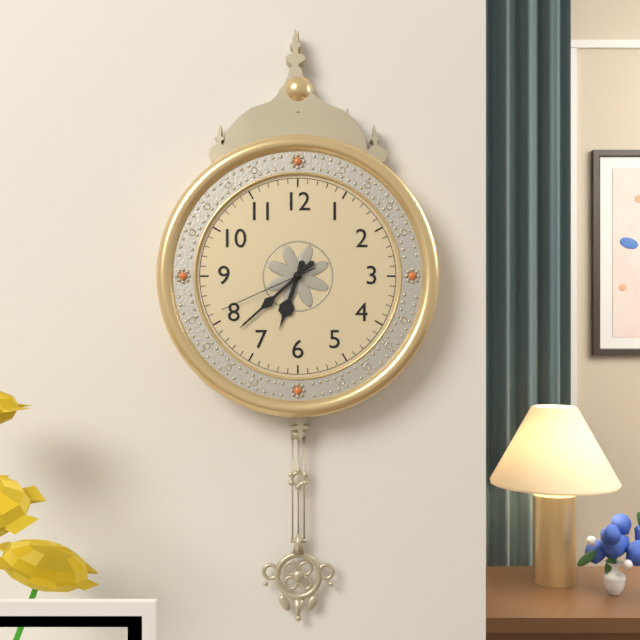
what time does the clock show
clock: 6:38:41
